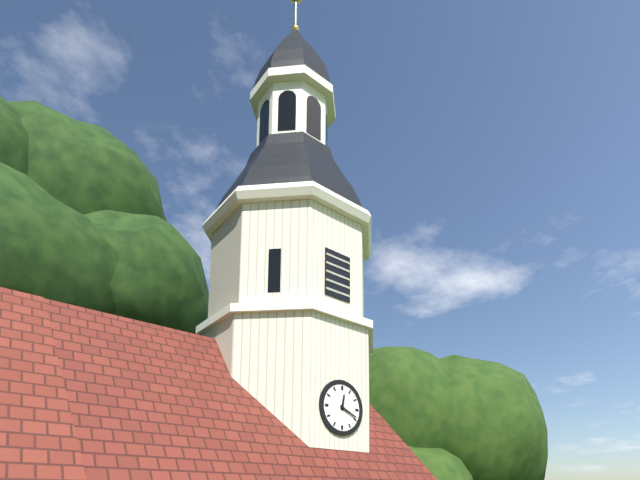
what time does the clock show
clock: 12:19
